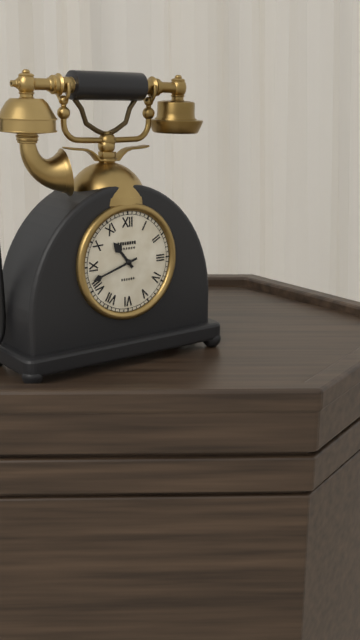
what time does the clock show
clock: 10:42
